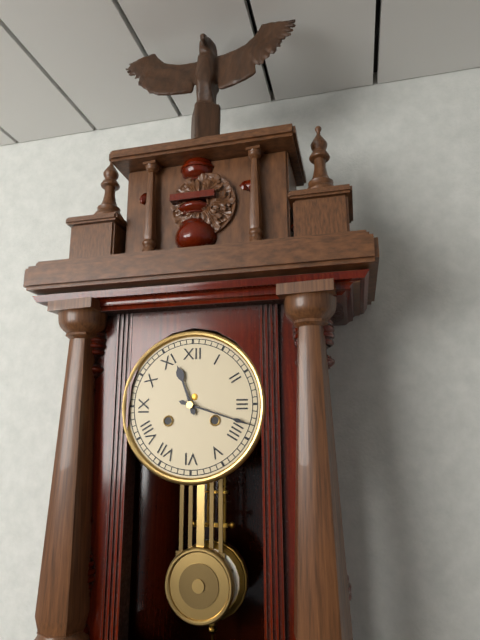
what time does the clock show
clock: 11:18
